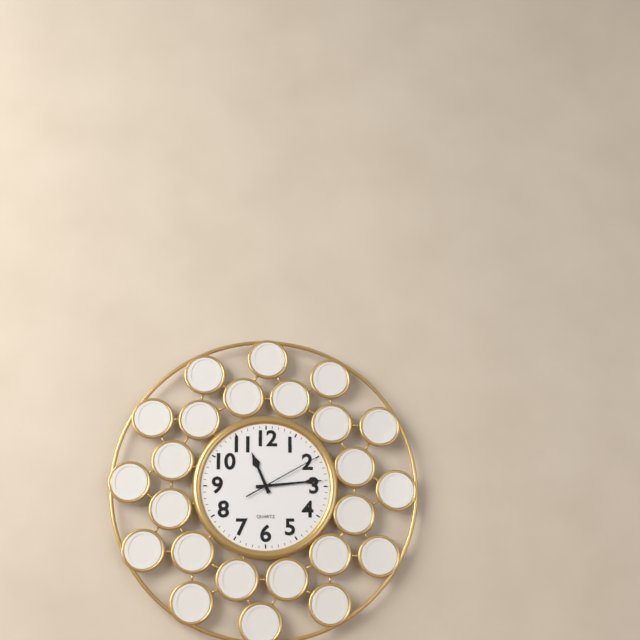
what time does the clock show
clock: 11:14:10
